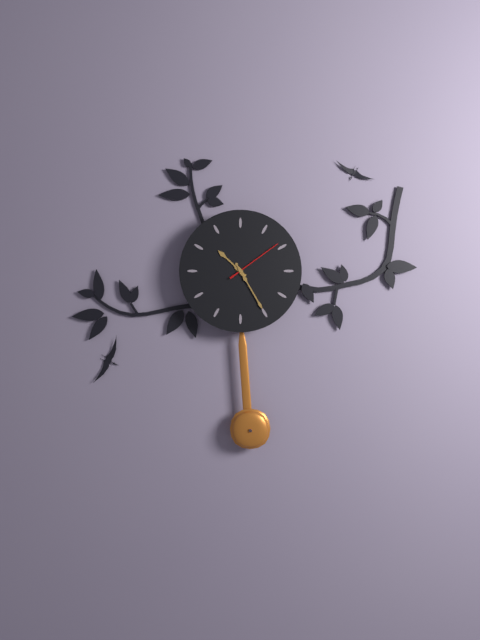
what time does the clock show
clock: 10:25:09
